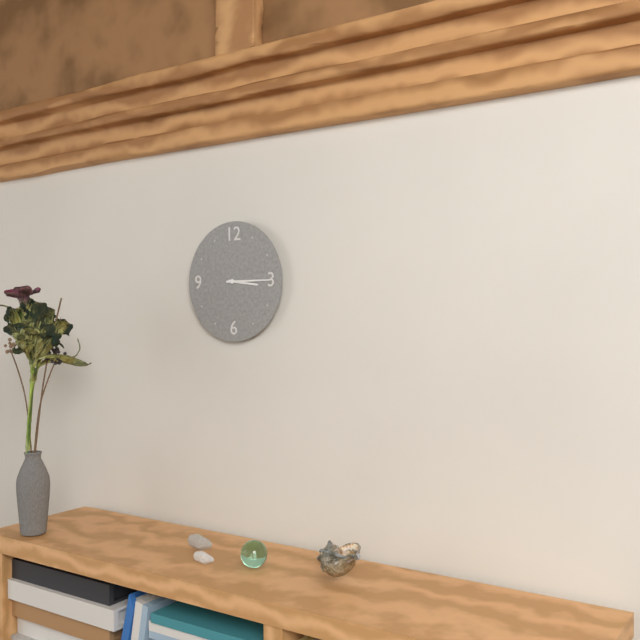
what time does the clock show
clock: 3:15
